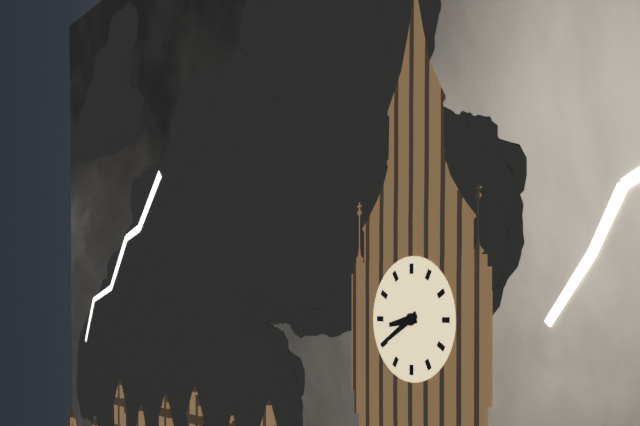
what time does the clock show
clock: 8:40
